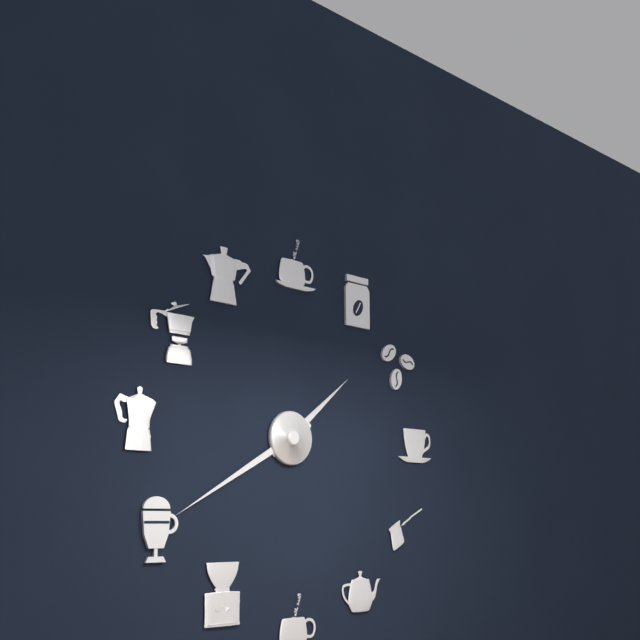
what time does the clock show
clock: 1:40
